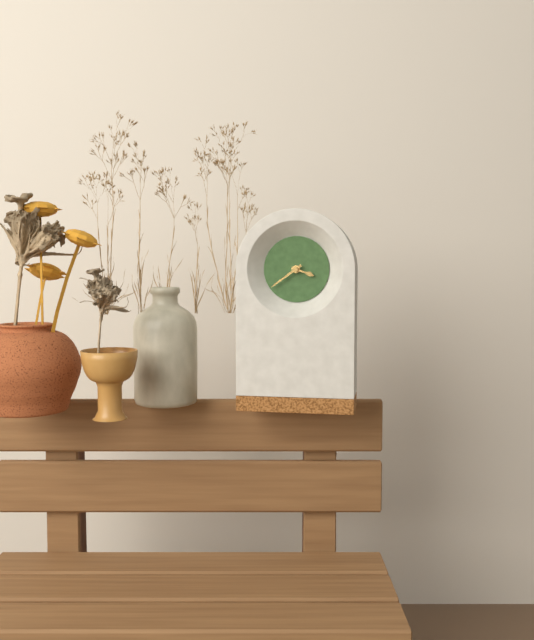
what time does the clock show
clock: 3:39
